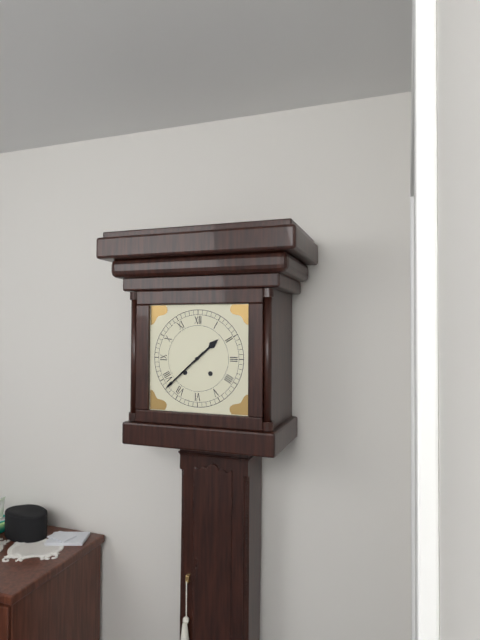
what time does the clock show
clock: 1:38
